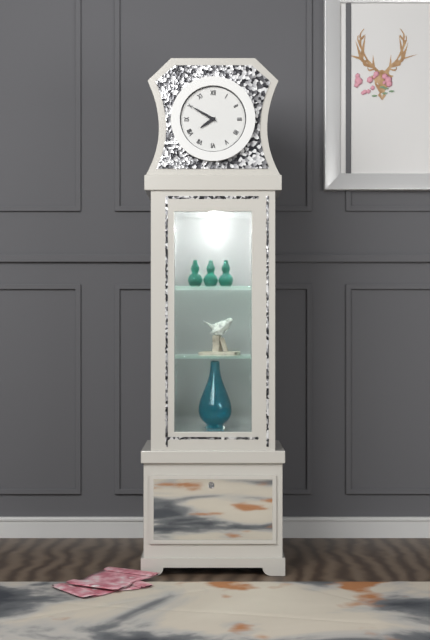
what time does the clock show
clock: 7:50
